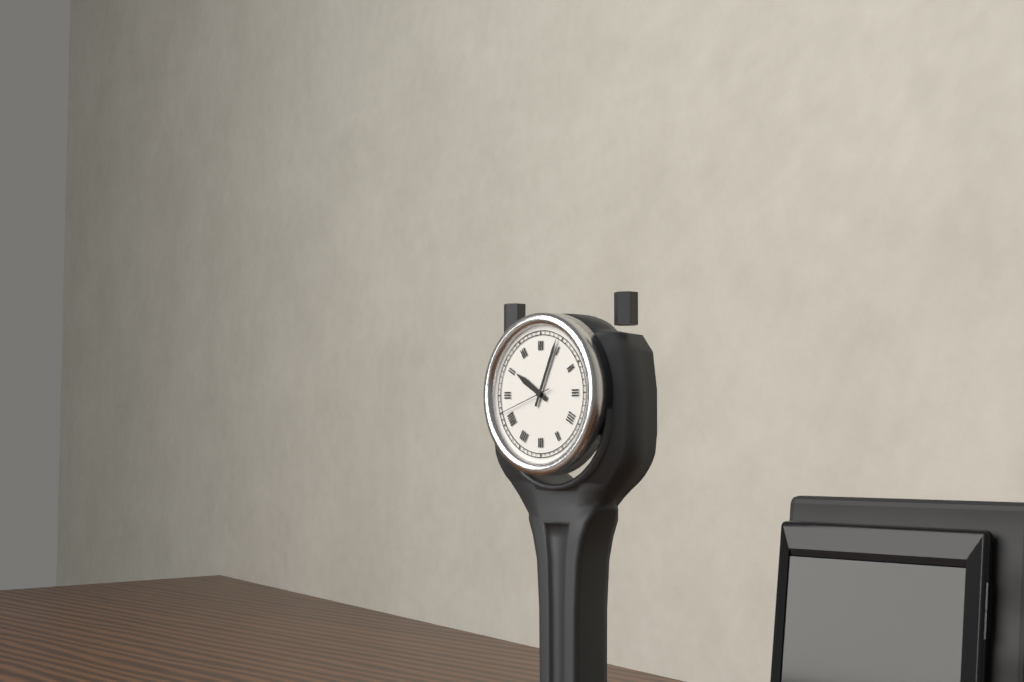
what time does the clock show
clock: 10:04:42
